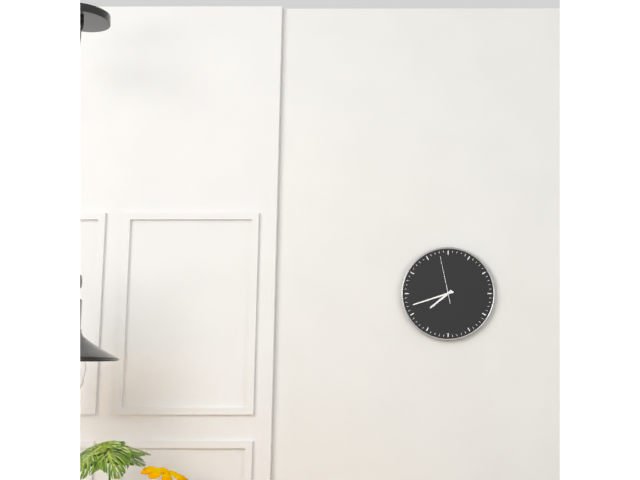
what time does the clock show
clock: 7:42
